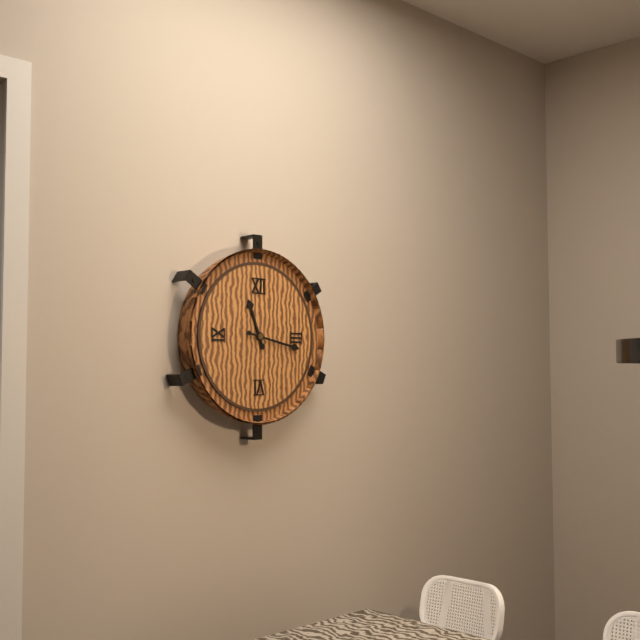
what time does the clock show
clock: 11:17
